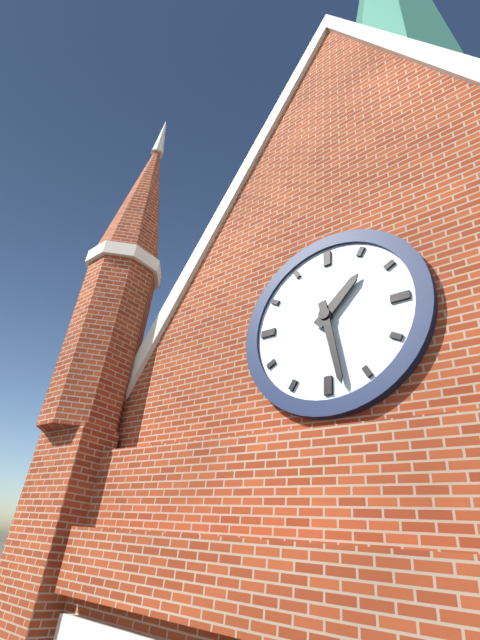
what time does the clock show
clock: 1:28
